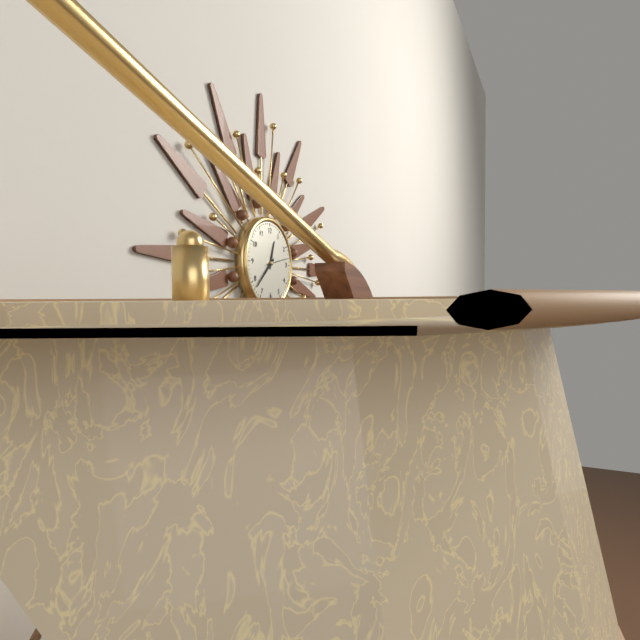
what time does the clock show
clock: 12:38
